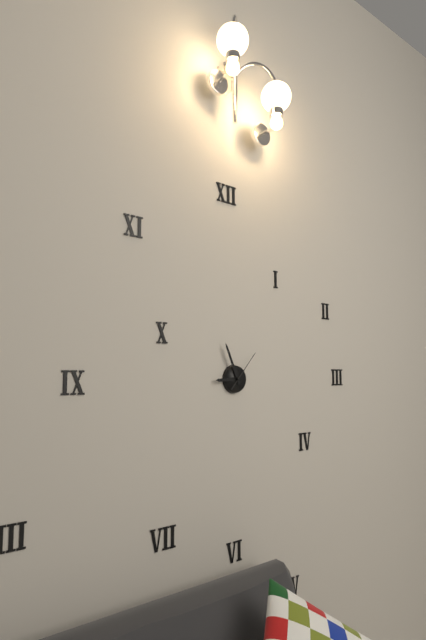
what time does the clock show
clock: 8:56
